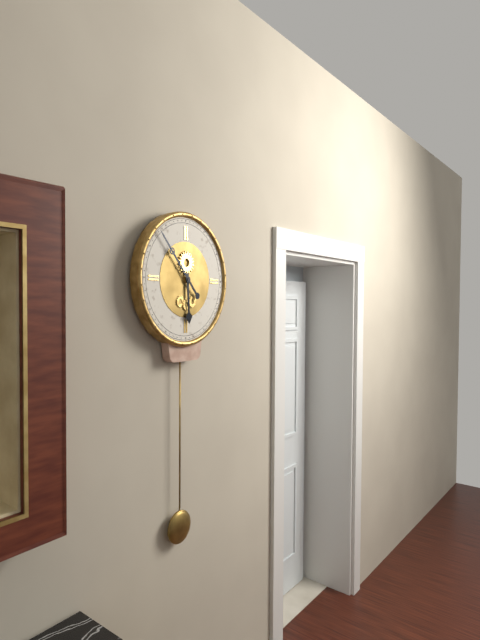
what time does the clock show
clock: 5:53
